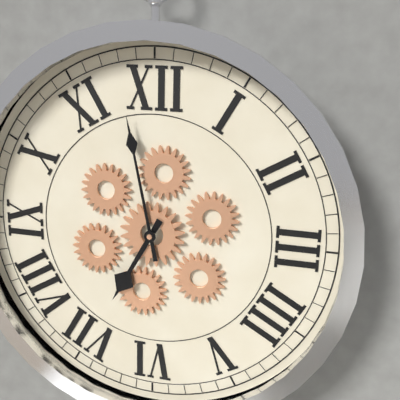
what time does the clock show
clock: 6:58
